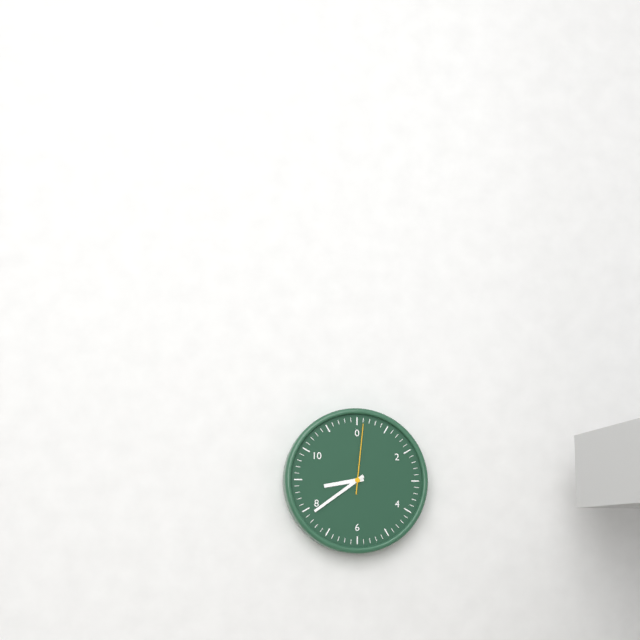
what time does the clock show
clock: 8:39:01
